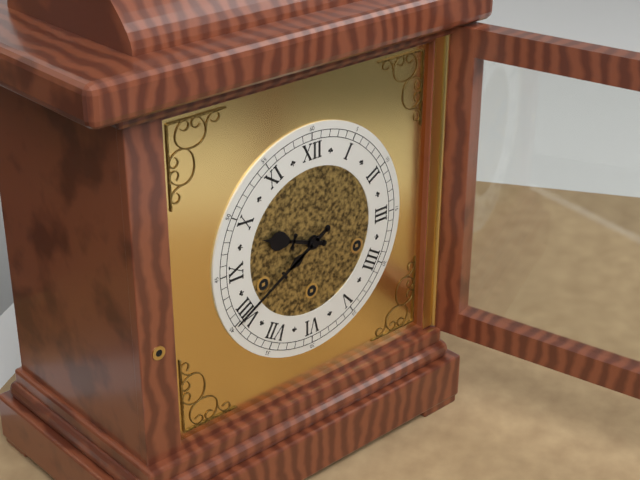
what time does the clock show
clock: 9:40
